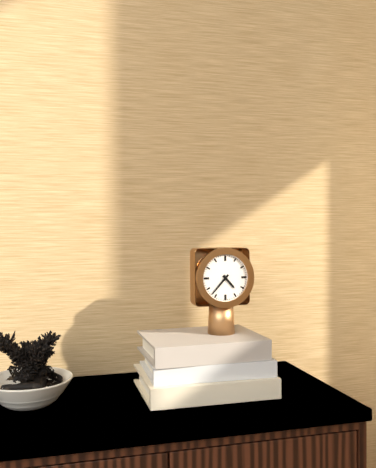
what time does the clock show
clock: 4:37
